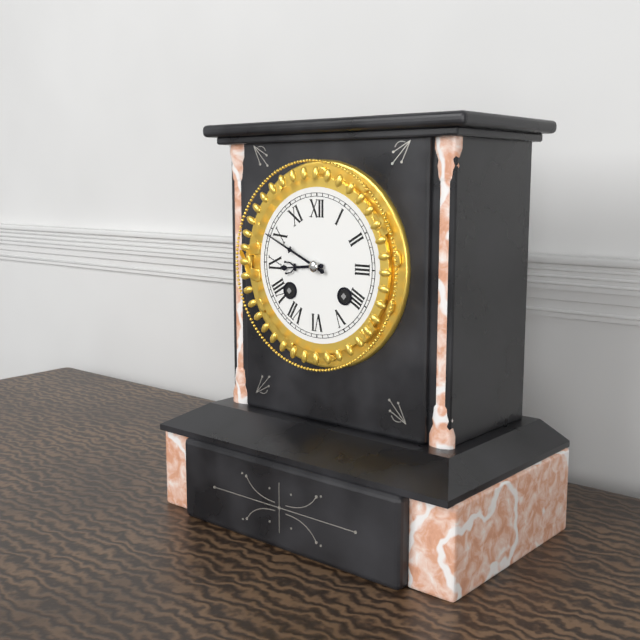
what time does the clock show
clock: 8:49
